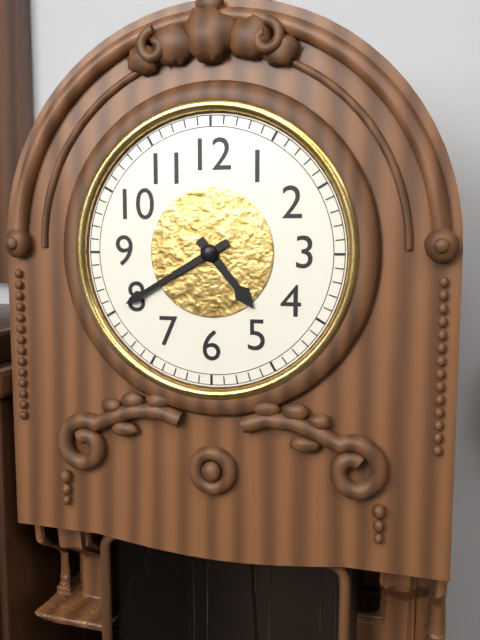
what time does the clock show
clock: 4:40
